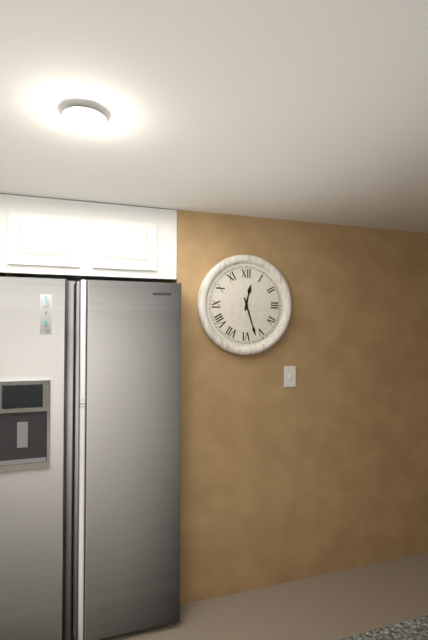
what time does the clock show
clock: 12:27
